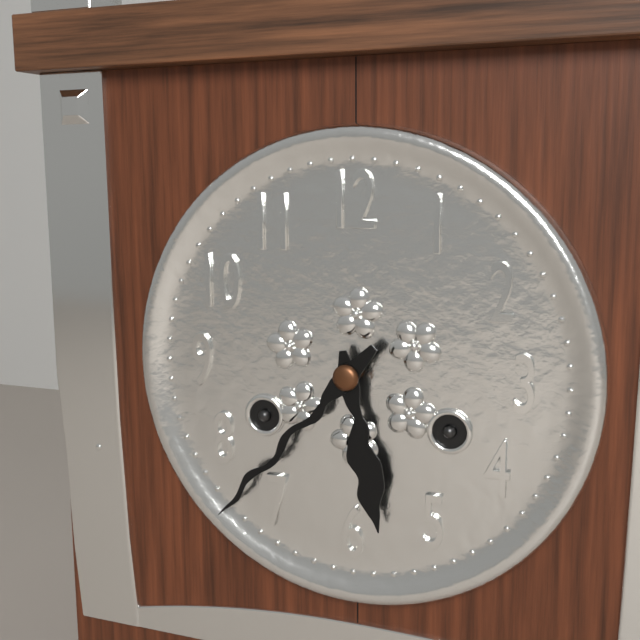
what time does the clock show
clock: 5:37
